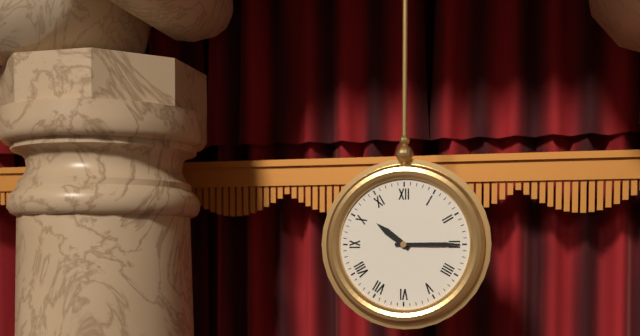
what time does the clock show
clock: 10:15
